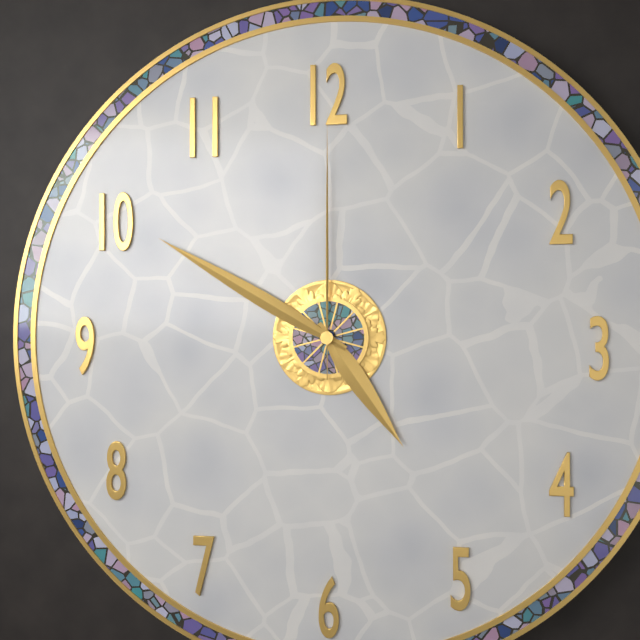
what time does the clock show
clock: 4:50:00
